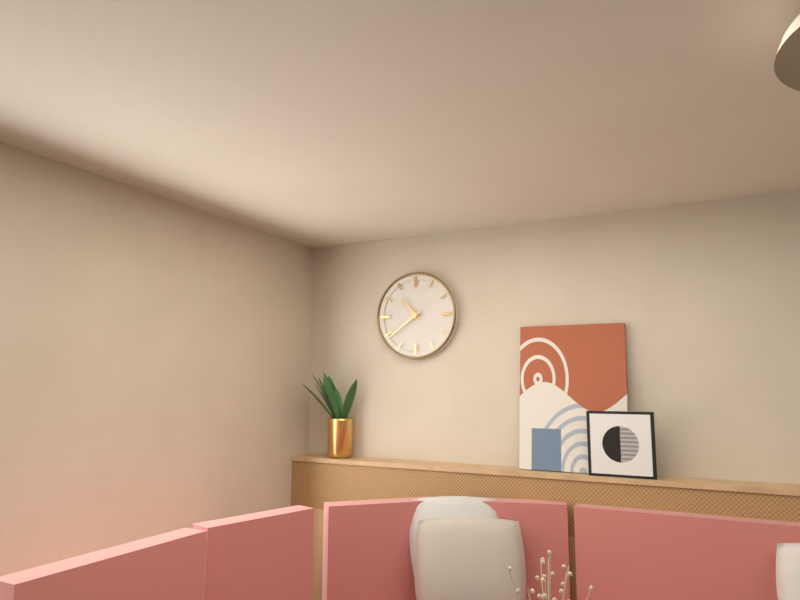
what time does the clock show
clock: 10:39
